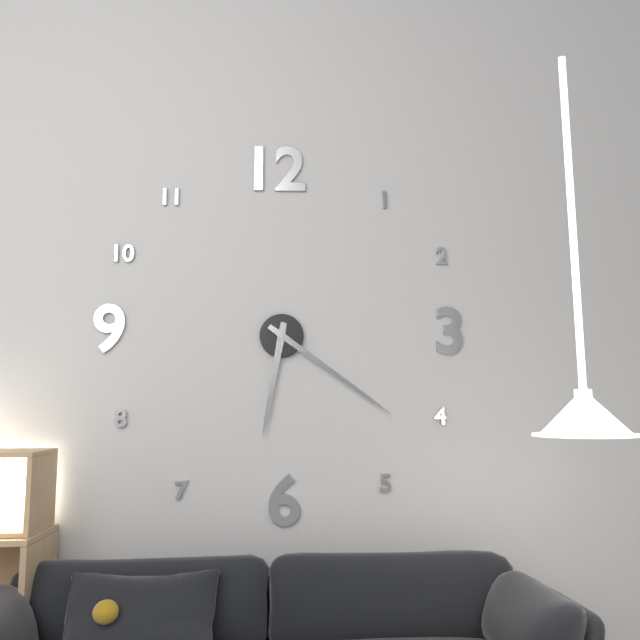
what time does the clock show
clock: 6:21
